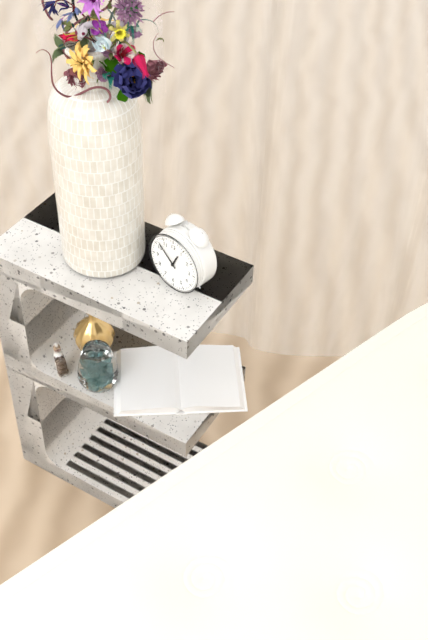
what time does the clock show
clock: 12:52
